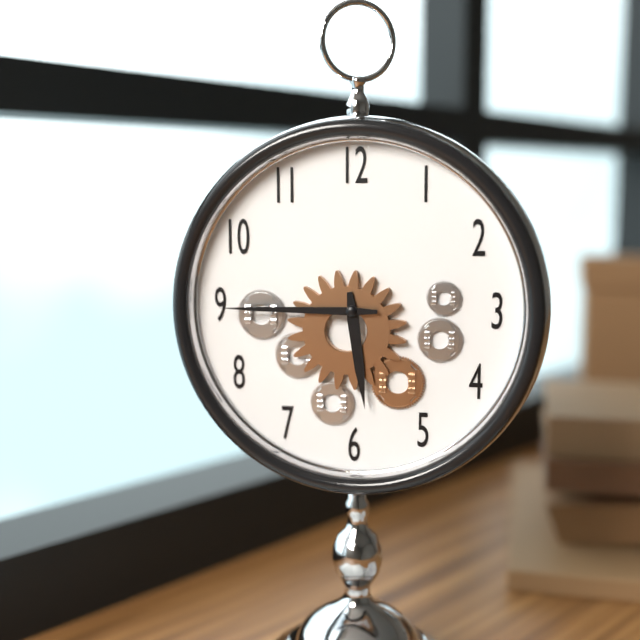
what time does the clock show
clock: 5:45
